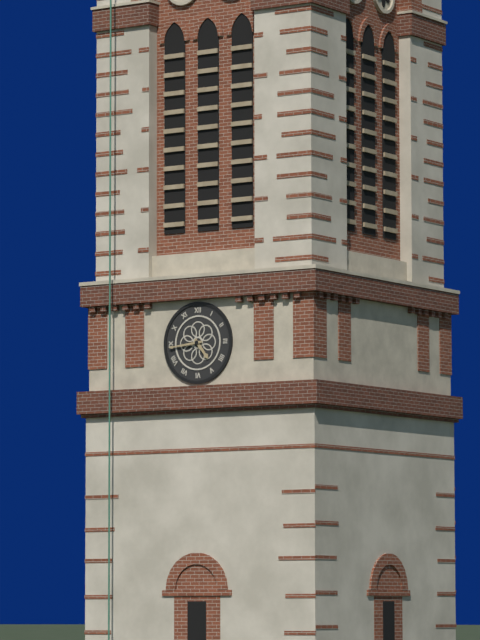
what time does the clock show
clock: 4:44
